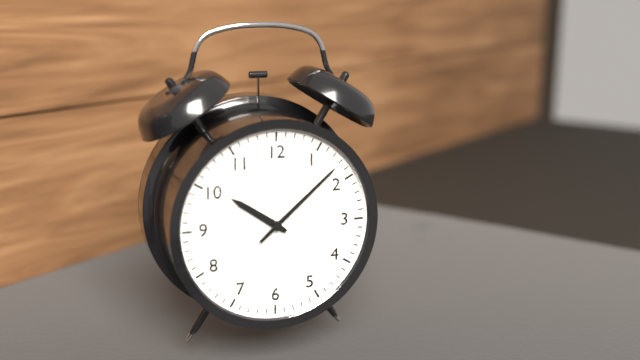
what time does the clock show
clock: 10:08
